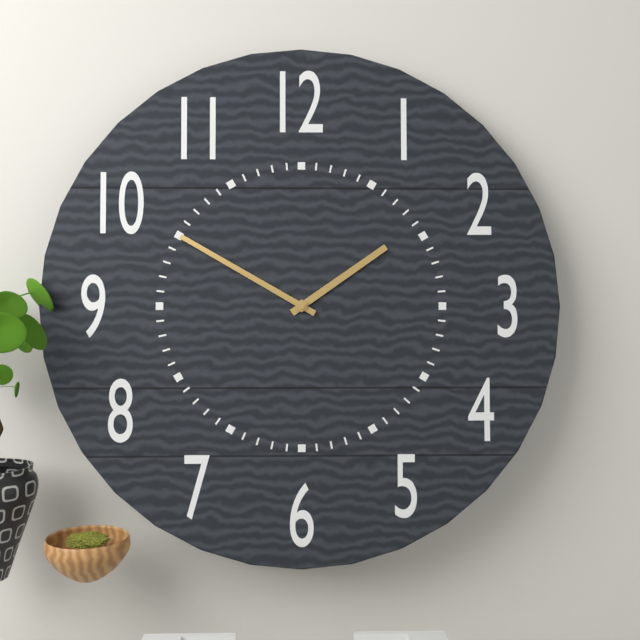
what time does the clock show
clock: 1:50
